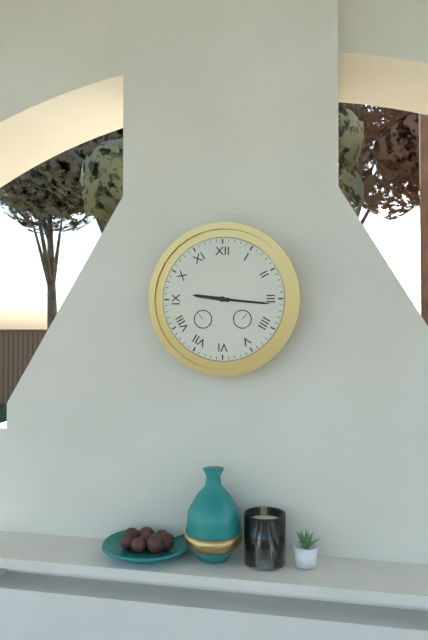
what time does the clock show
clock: 9:16
